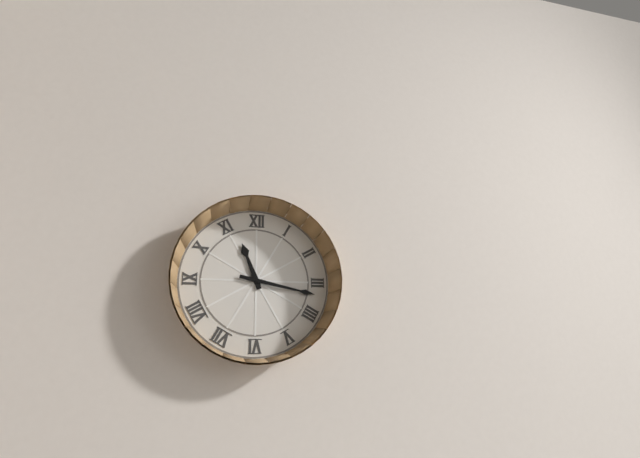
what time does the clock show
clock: 11:17
